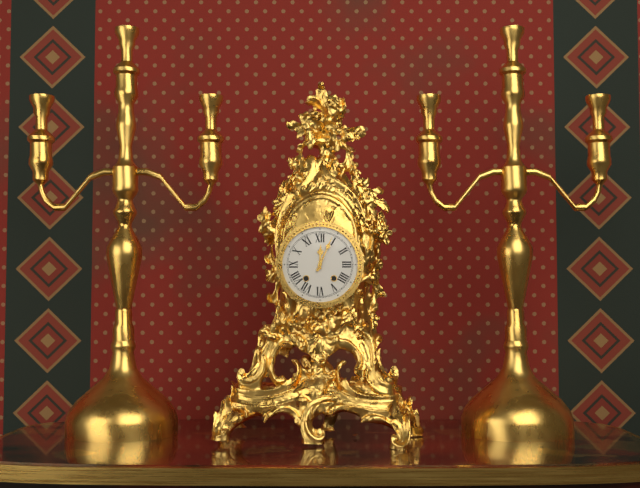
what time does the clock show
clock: 12:04
